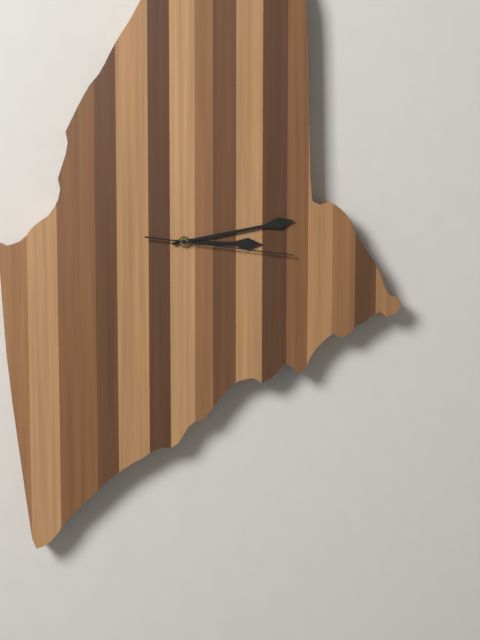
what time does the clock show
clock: 3:14:17
